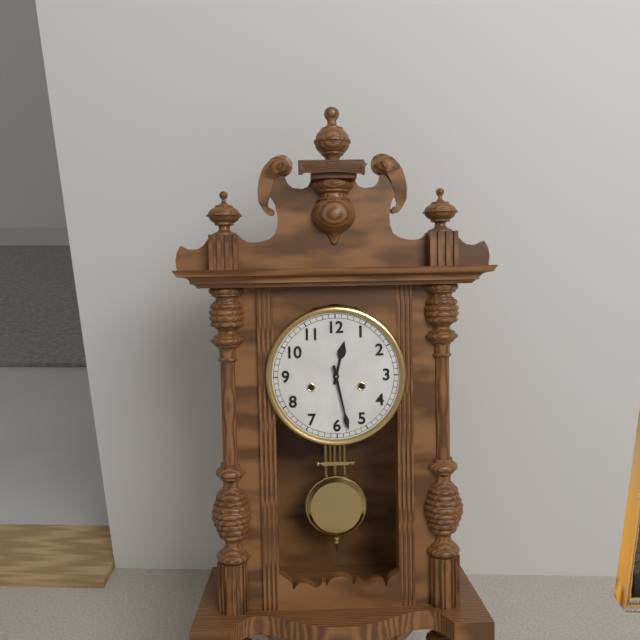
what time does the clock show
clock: 12:28
